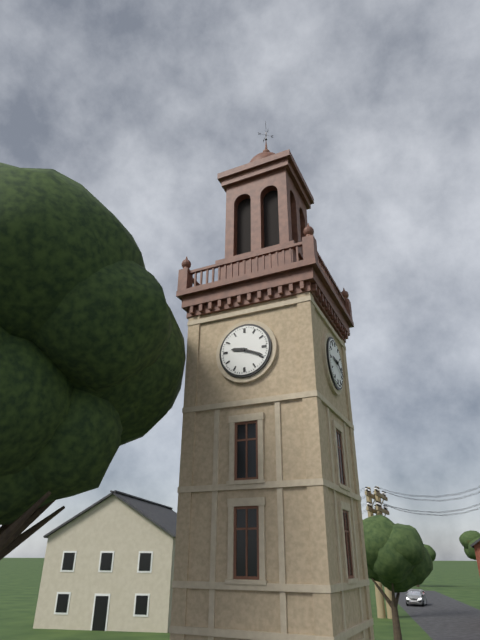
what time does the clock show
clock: 9:19
